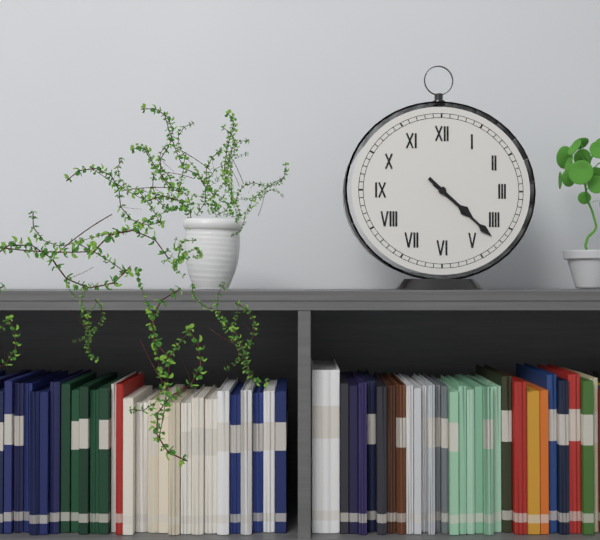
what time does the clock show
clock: 4:22
